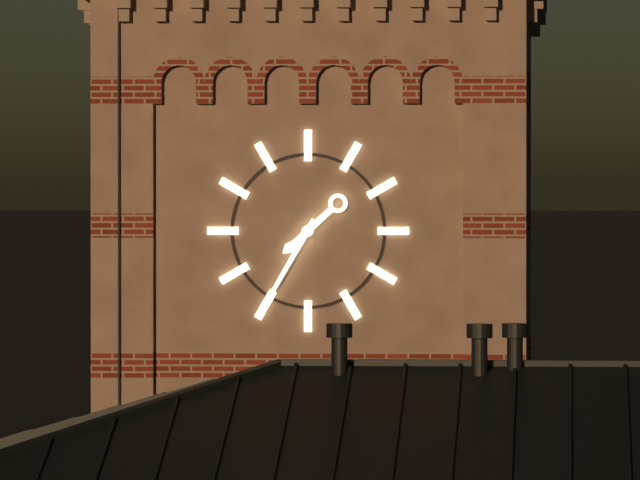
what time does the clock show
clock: 7:35
